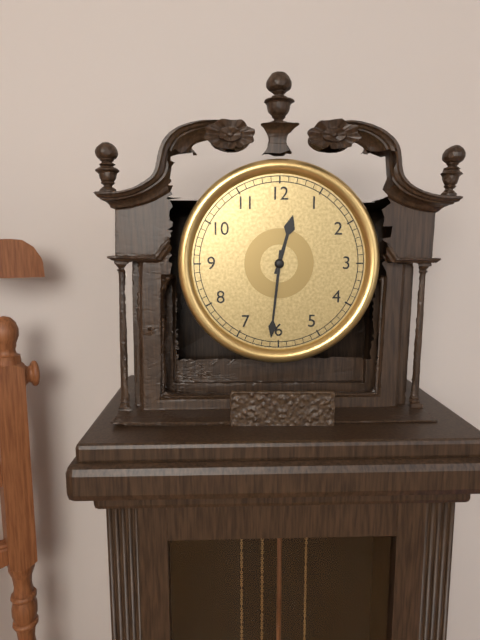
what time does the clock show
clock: 12:31
